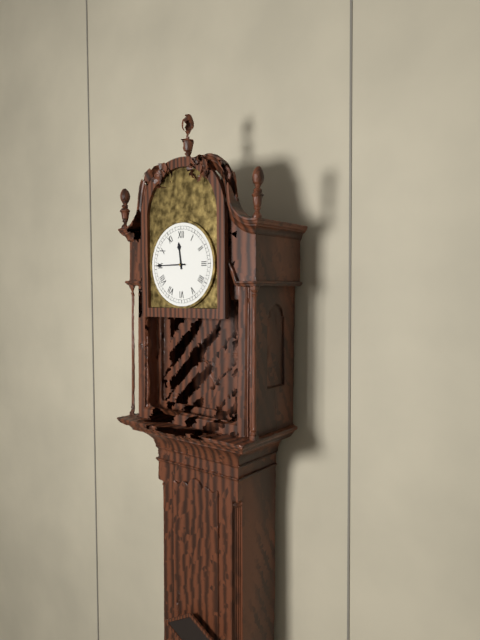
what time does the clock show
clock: 11:45
